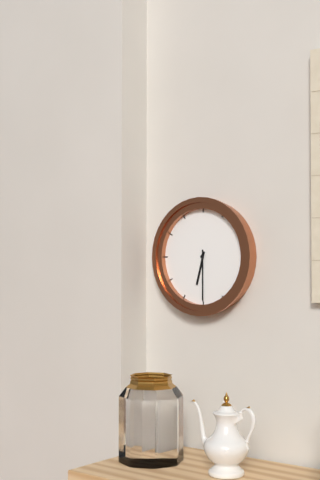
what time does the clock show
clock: 6:30
